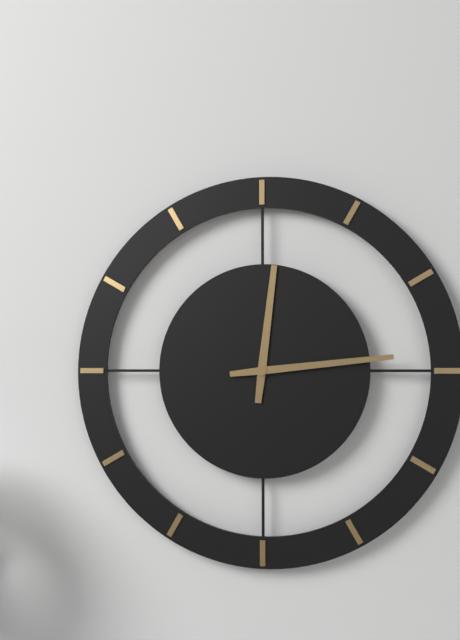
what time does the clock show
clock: 12:14
